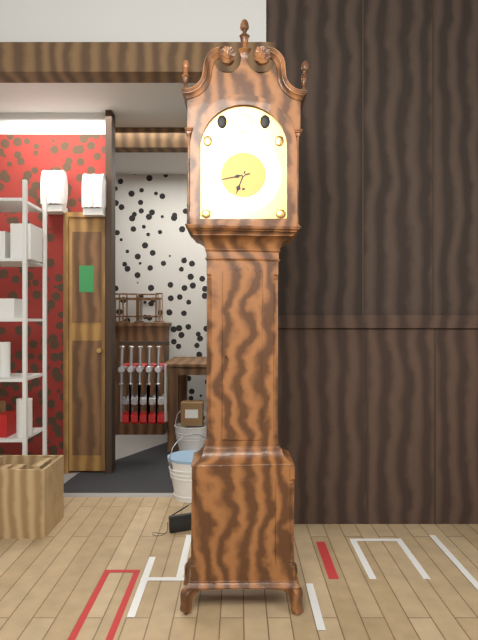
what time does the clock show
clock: 6:43
